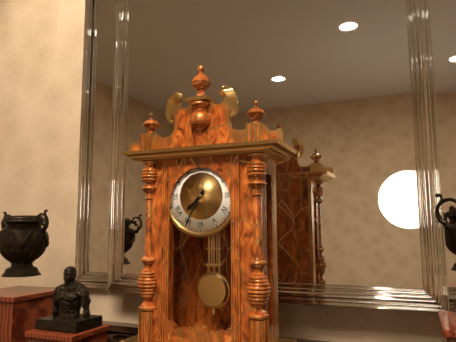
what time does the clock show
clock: 7:35
